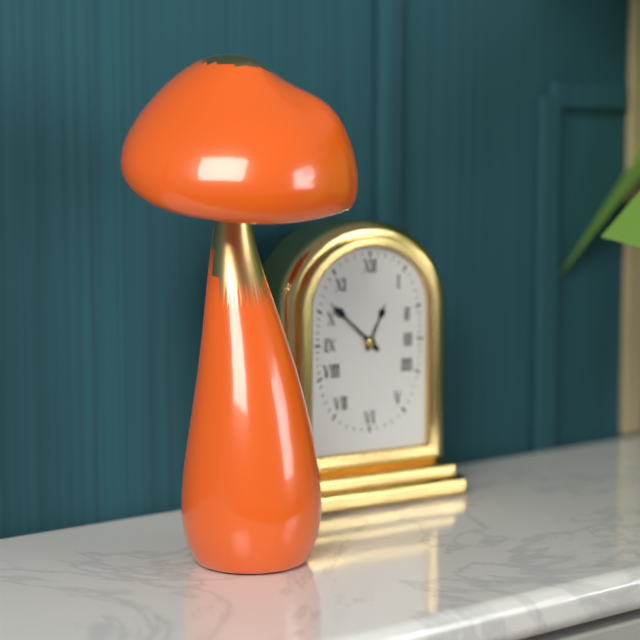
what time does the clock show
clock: 12:52
